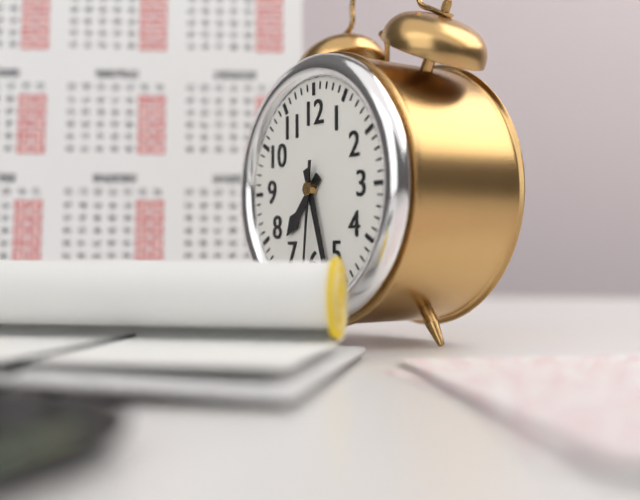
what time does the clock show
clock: 7:27:31
